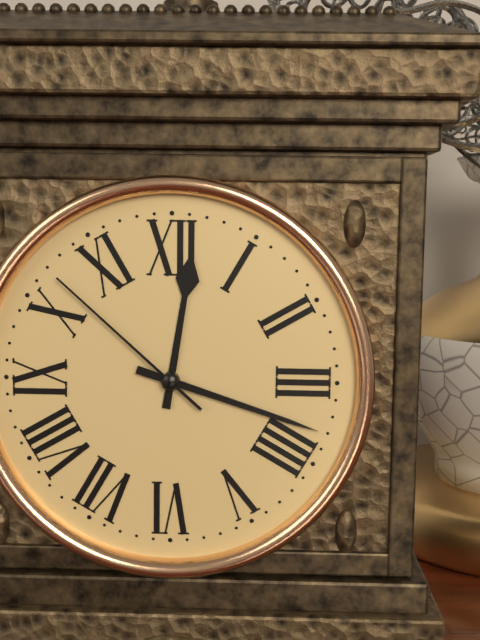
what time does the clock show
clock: 12:18:52
